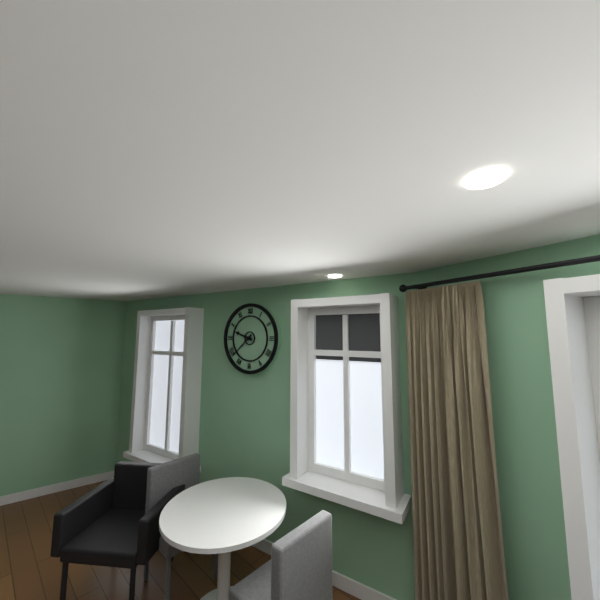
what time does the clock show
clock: 9:38
